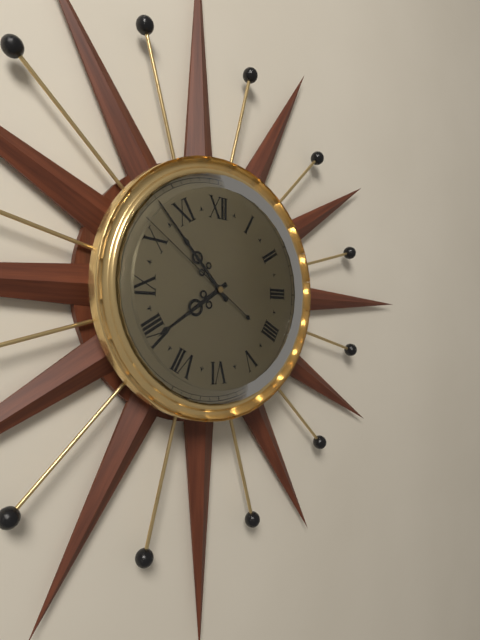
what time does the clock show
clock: 7:53:51
